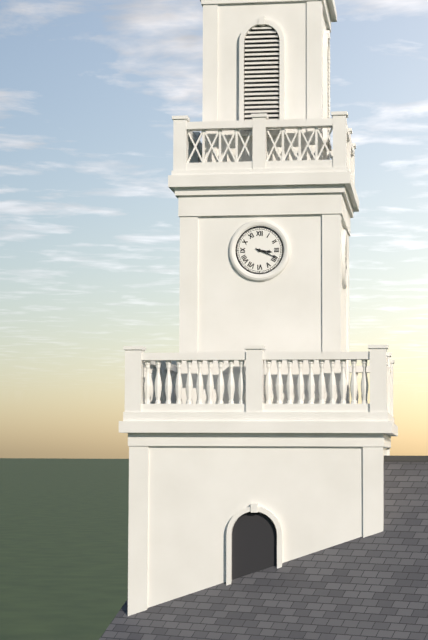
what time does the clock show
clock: 3:19
